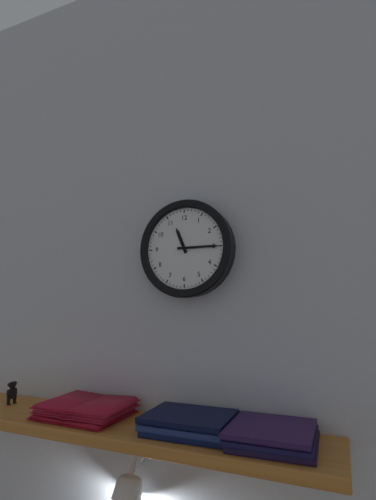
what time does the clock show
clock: 11:15
